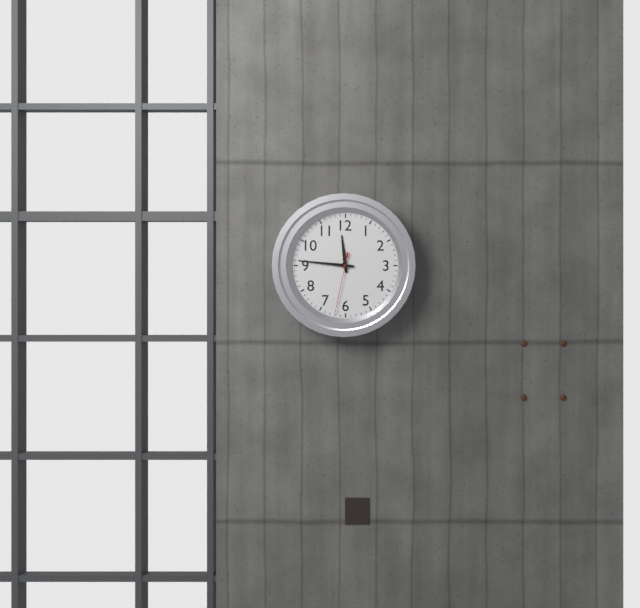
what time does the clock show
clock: 11:46:32
